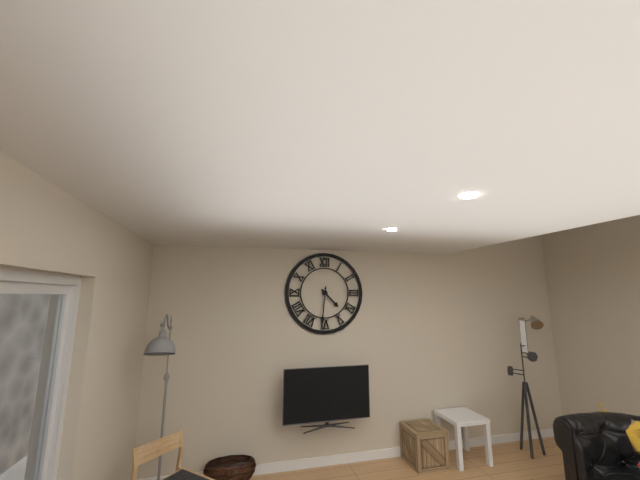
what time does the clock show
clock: 4:31
